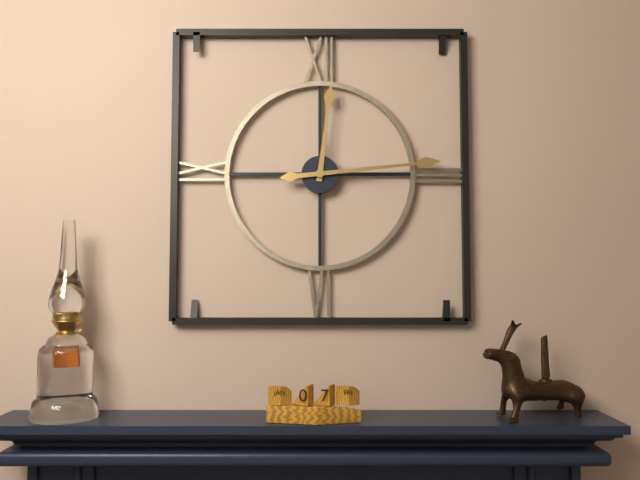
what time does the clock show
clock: 12:14
